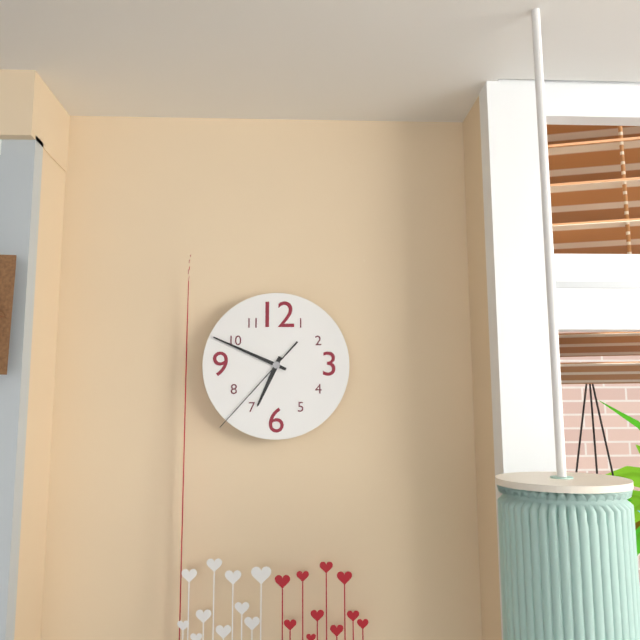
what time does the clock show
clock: 6:49:37
